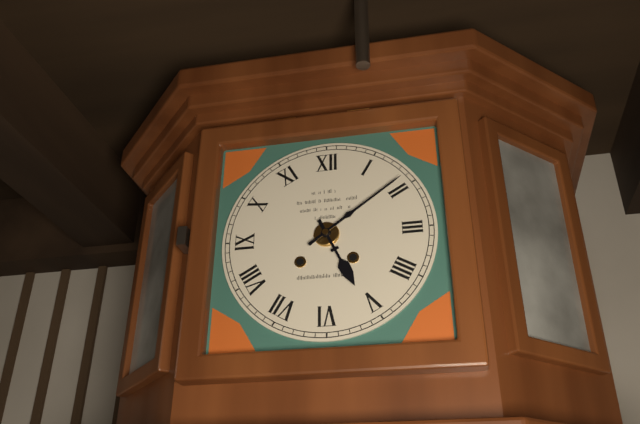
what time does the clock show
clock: 5:09
